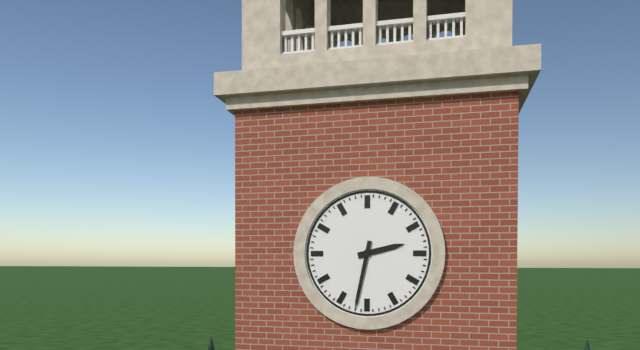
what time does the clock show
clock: 2:32
